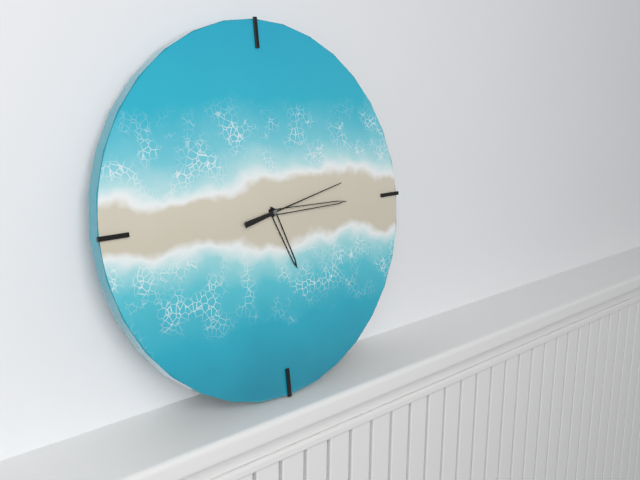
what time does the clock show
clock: 5:15:13
